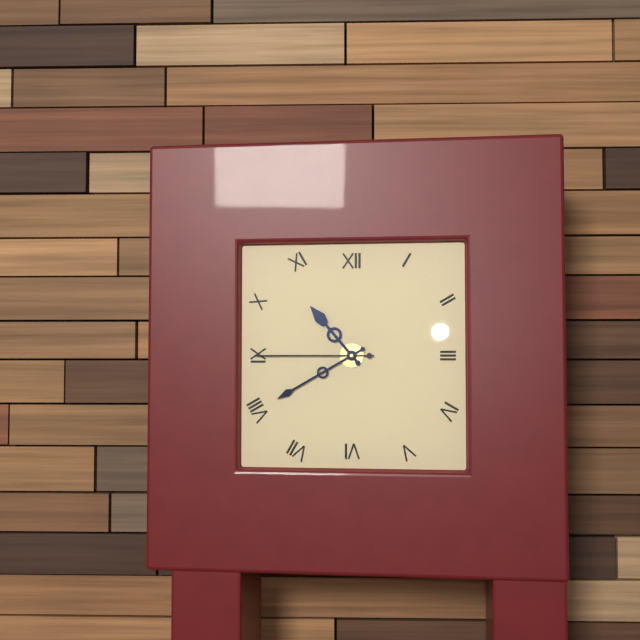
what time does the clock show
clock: 10:40:45
